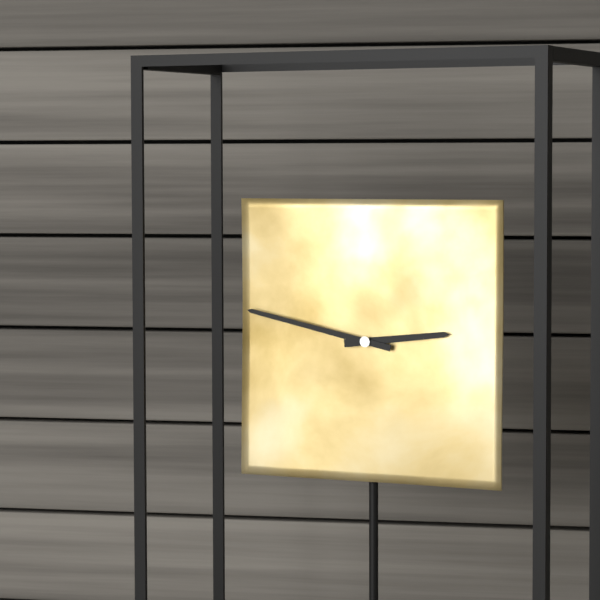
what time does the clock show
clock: 2:47
